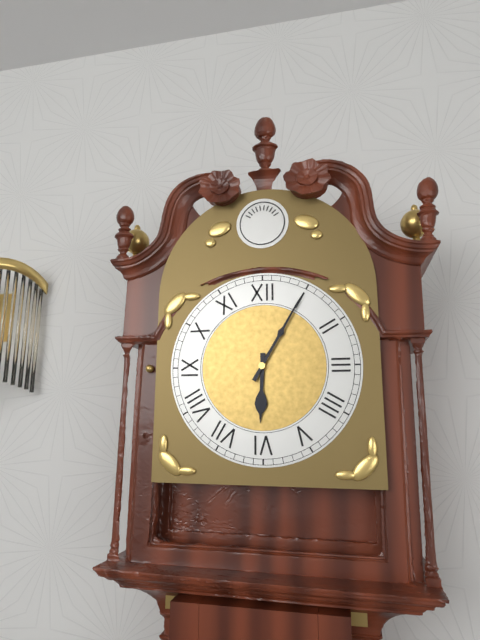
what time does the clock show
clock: 6:05
